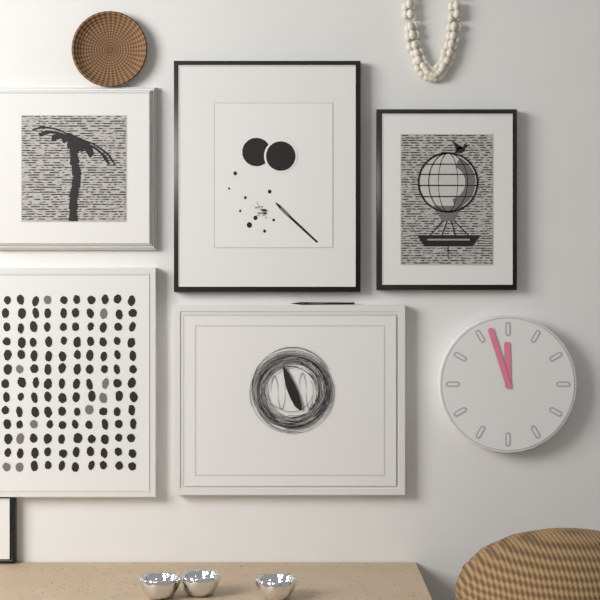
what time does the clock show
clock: 11:57
